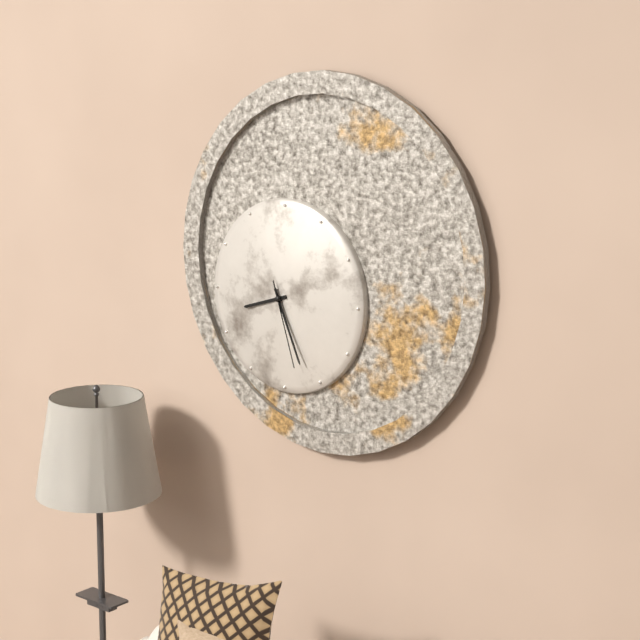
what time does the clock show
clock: 8:26:27
